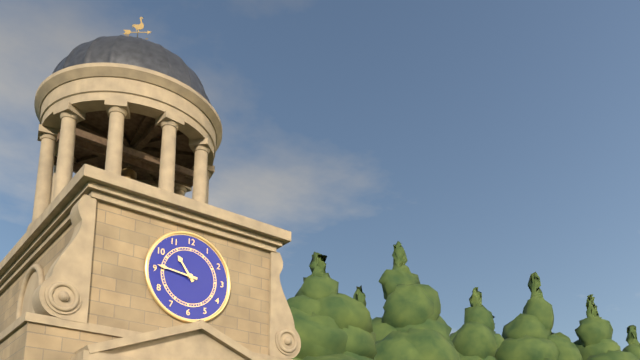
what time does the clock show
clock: 10:46
